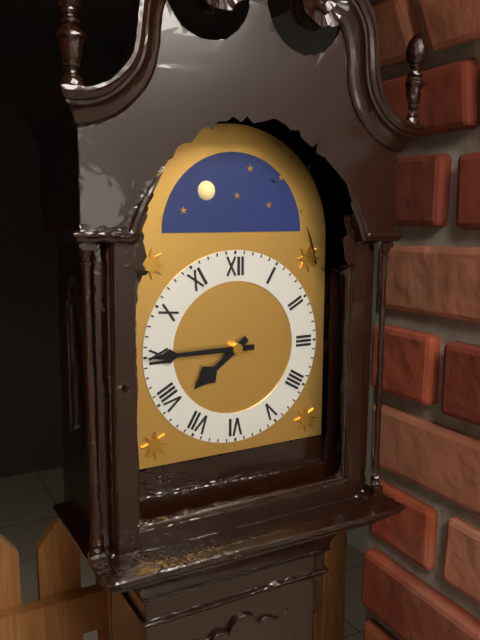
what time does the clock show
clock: 7:45
